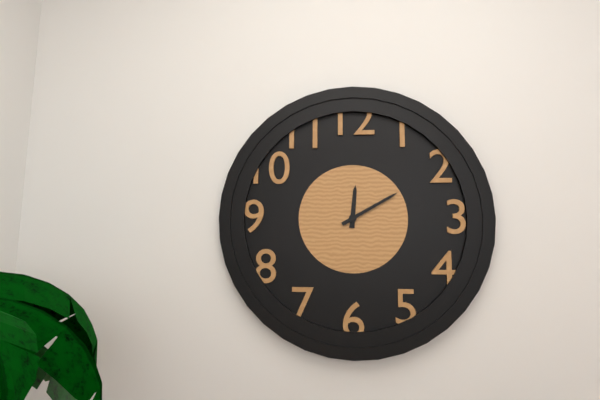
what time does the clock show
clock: 12:10
